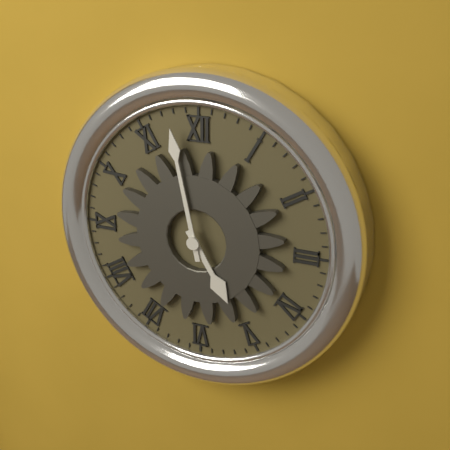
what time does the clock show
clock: 4:58
